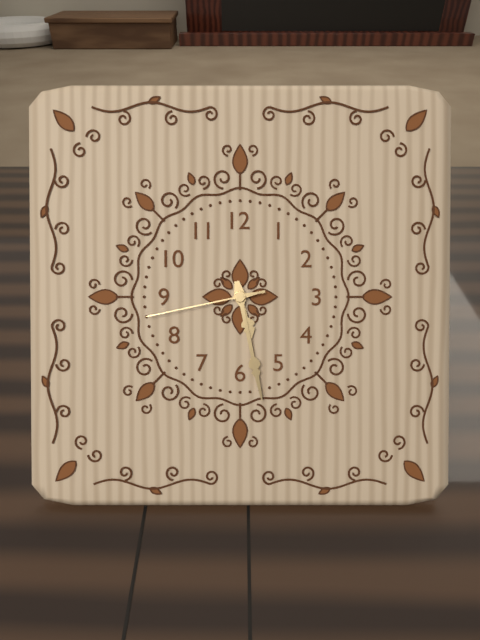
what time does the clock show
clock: 5:28:43
